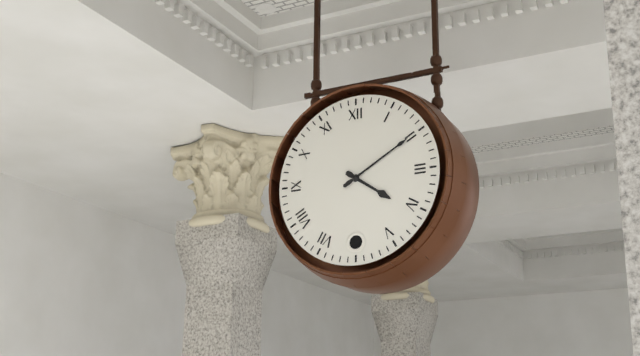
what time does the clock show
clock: 4:10
